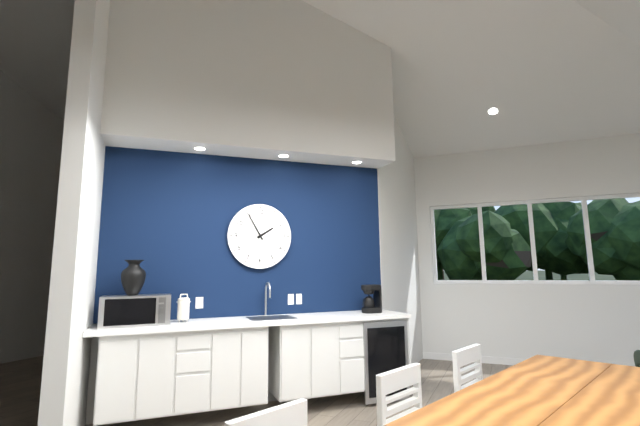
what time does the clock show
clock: 1:55
